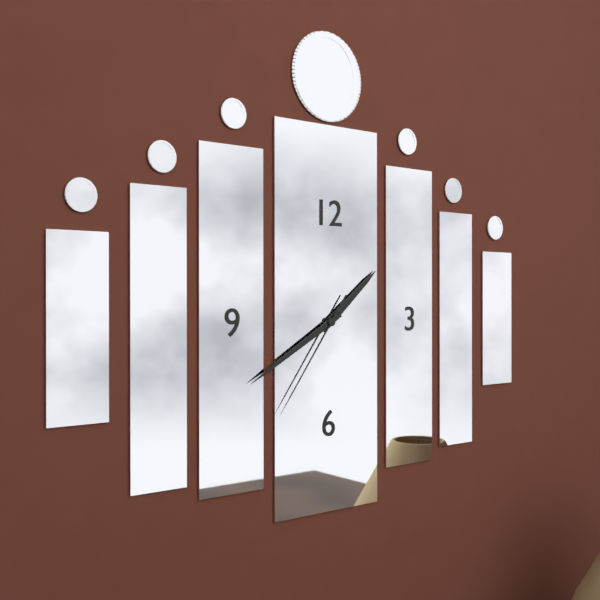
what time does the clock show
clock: 1:40:36
